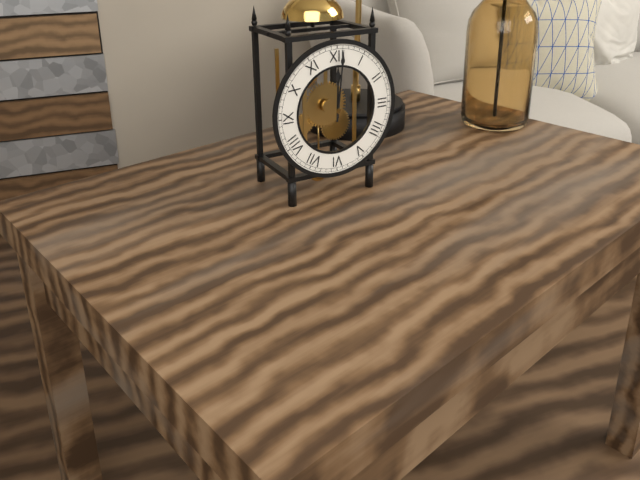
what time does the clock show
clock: 12:01
